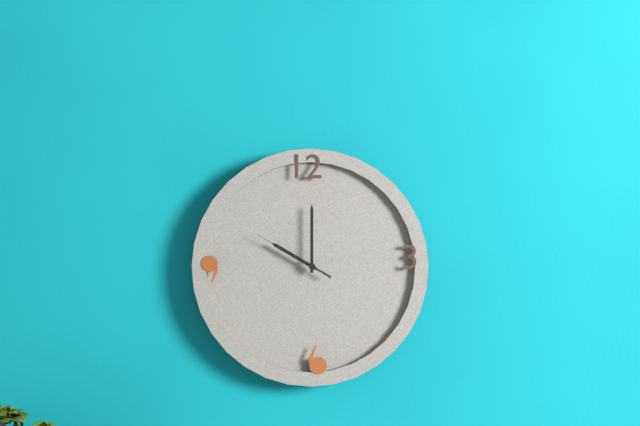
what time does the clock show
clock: 10:00:50
